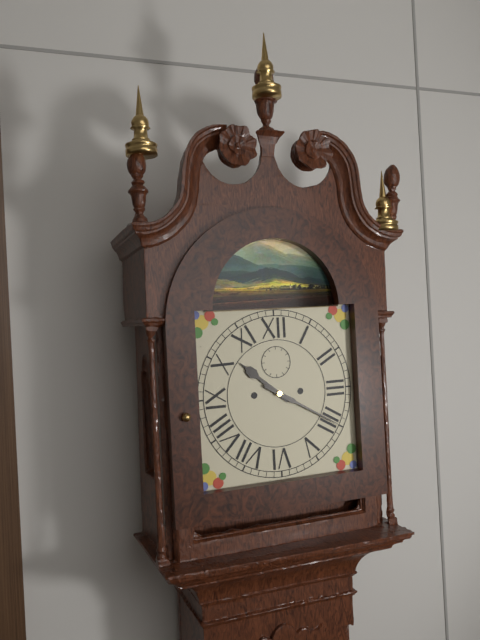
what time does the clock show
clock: 10:20
